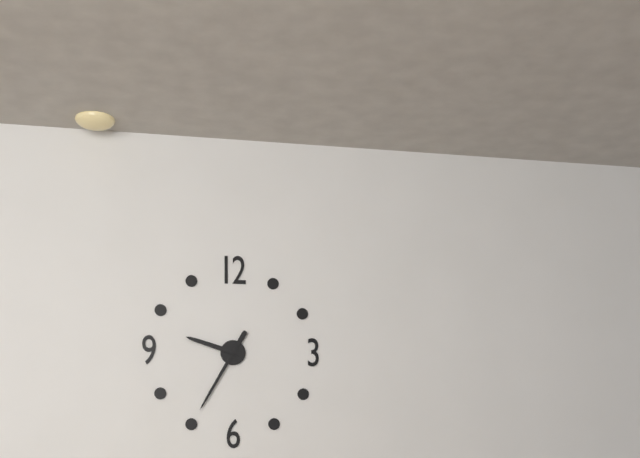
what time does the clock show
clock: 9:35
